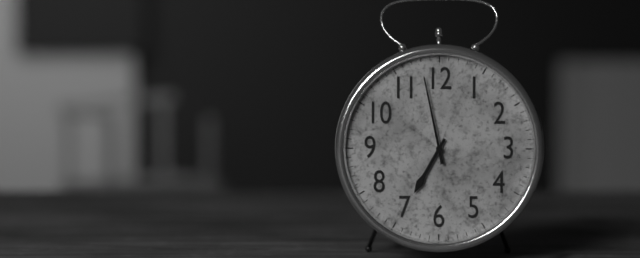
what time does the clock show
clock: 6:58
